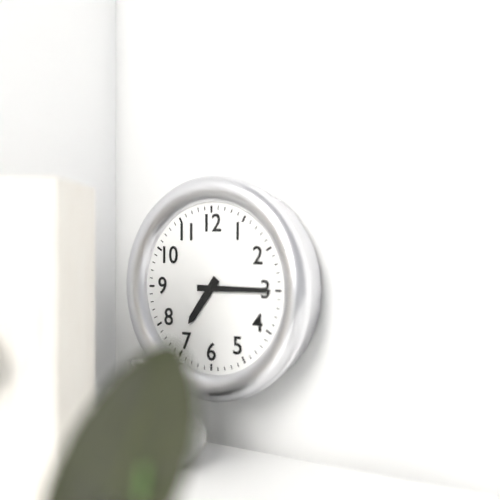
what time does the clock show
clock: 7:15
